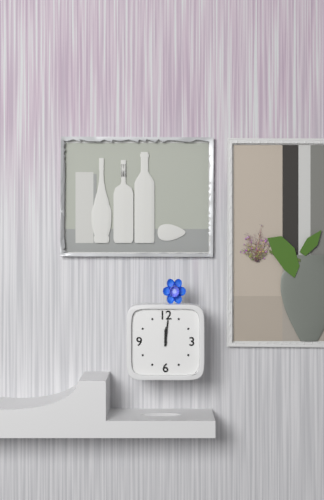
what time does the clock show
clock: 12:01
